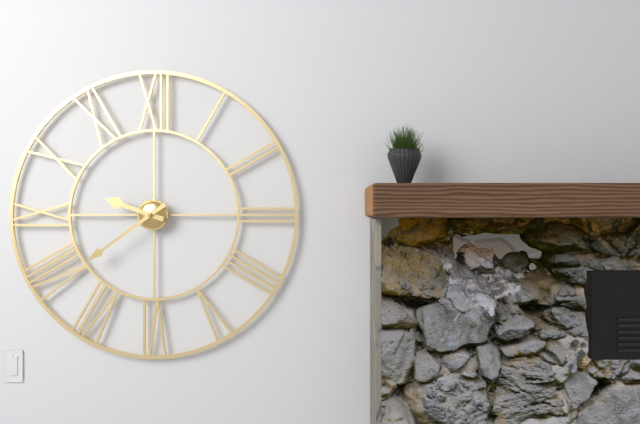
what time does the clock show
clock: 9:39
